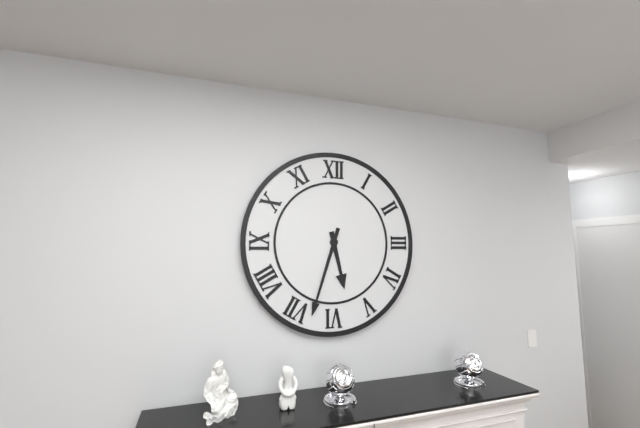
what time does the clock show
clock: 5:33
